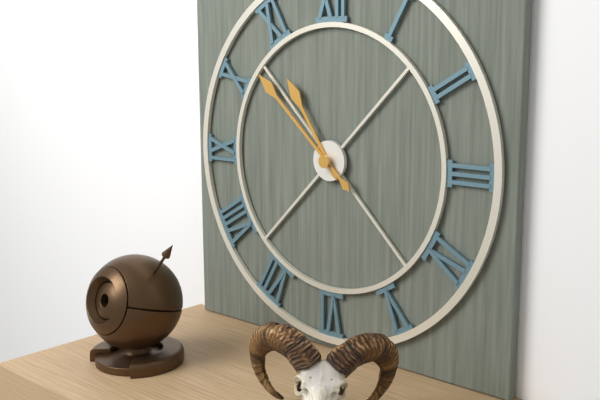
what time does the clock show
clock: 10:52
